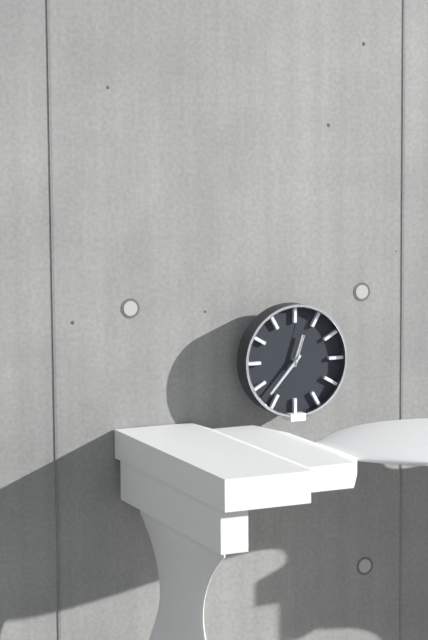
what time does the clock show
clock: 12:37:03
